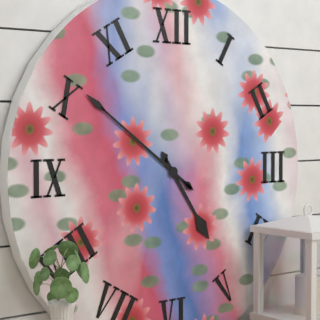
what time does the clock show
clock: 4:51
